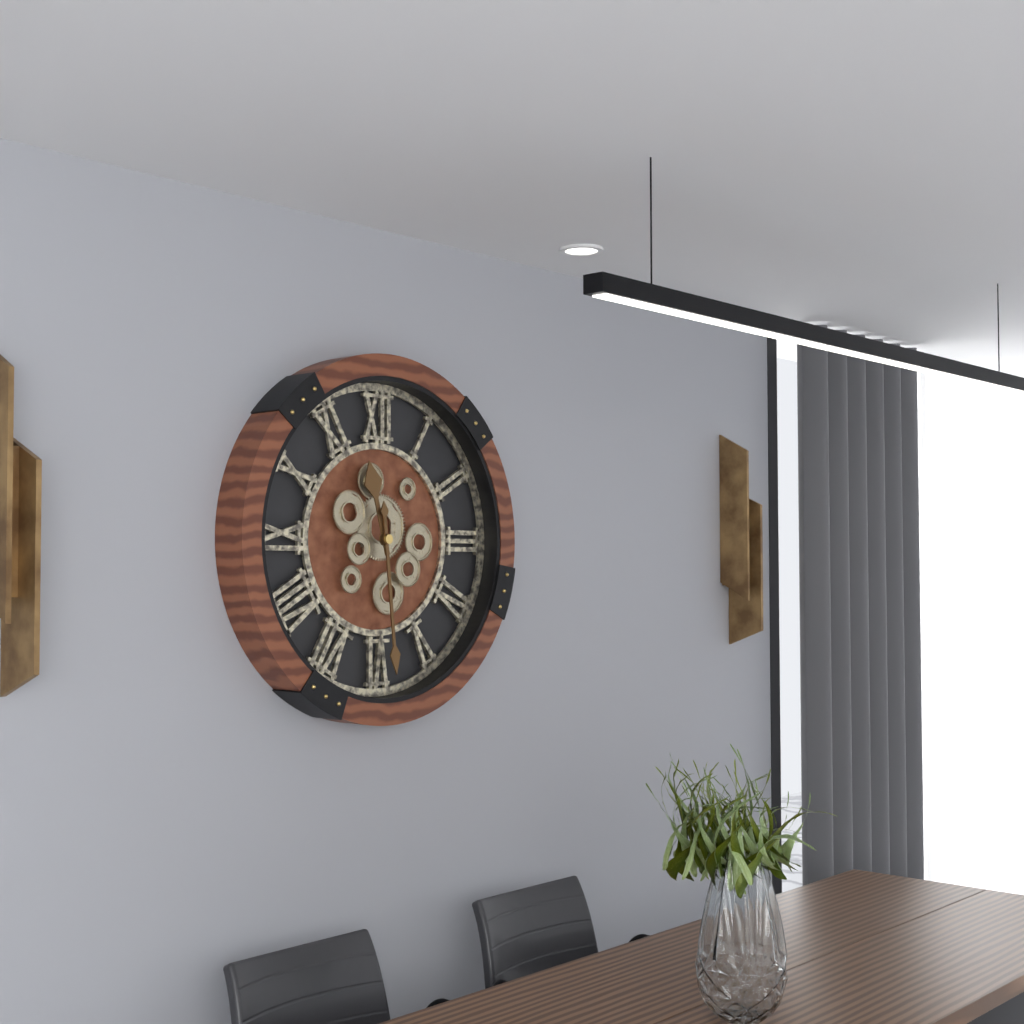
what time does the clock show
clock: 11:29
